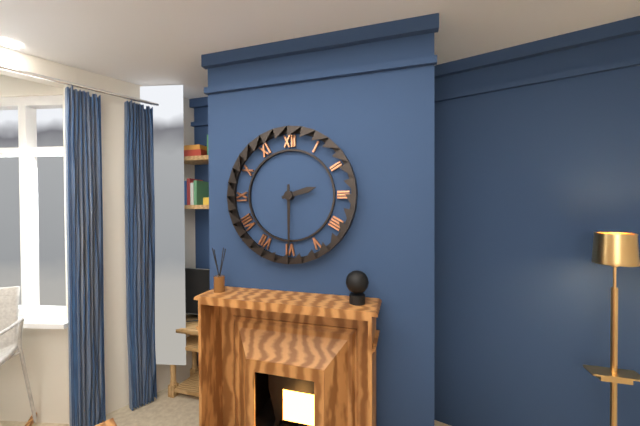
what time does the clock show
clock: 2:30
